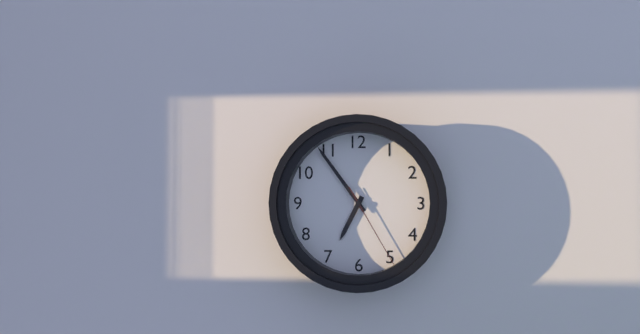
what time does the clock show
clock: 6:54:25
